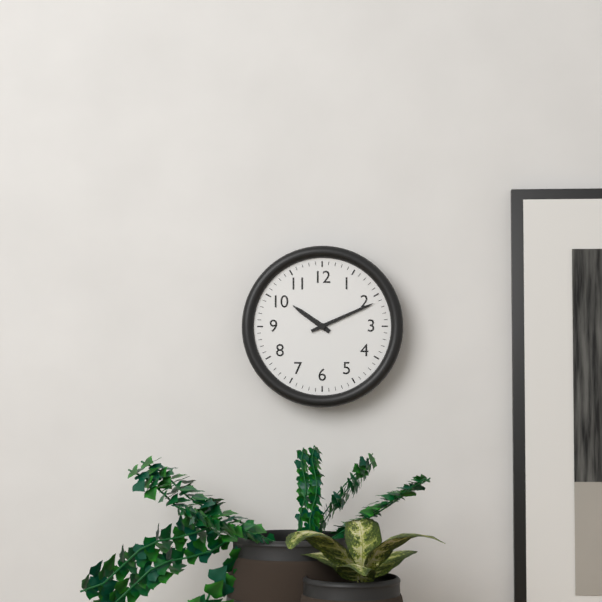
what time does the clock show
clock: 10:11
